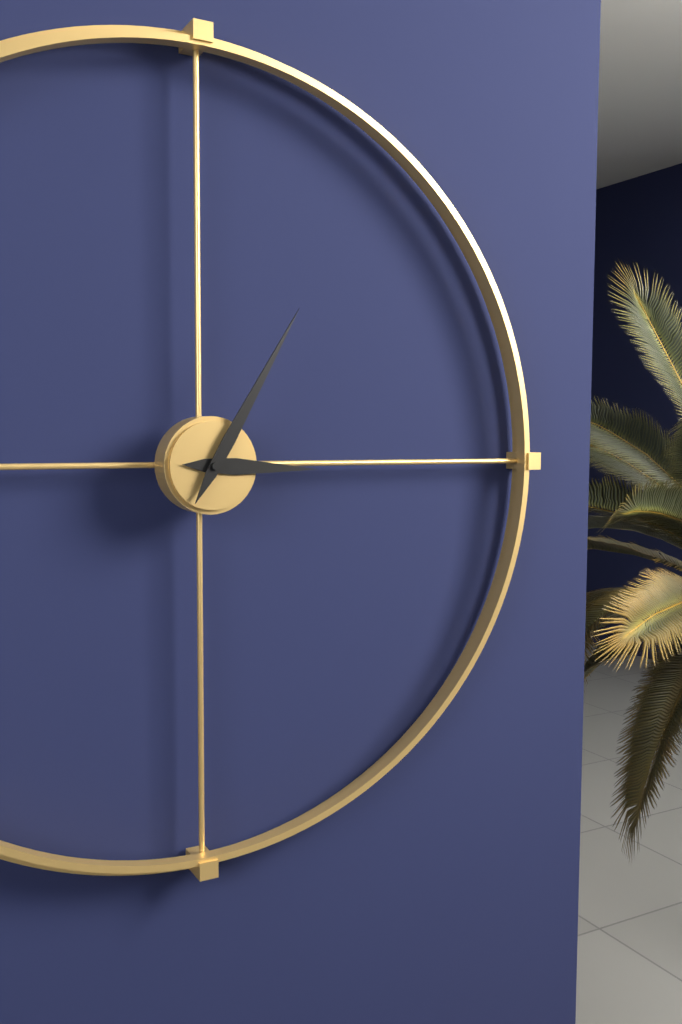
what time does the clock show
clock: 3:05
